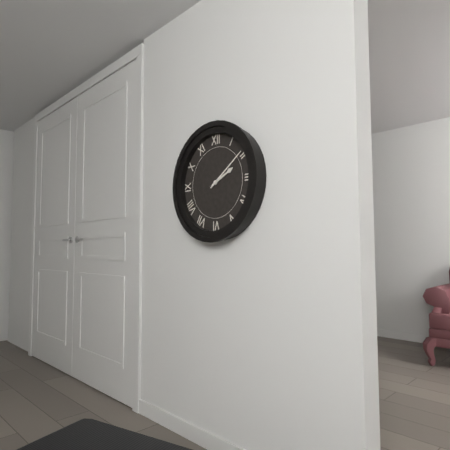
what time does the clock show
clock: 2:09
